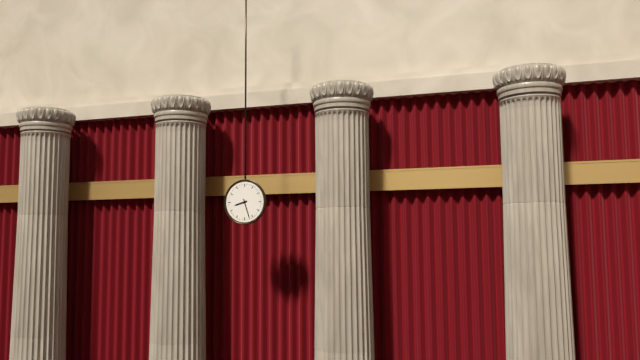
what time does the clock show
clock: 8:27
